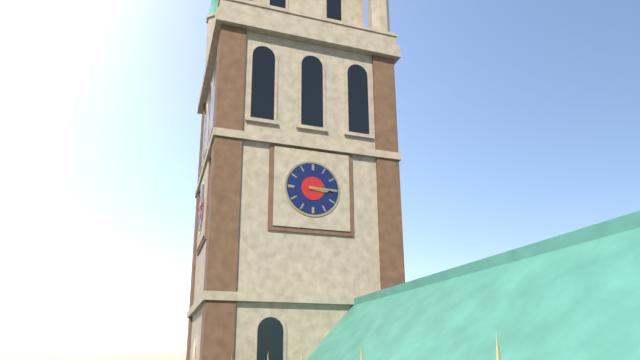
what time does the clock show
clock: 3:15
